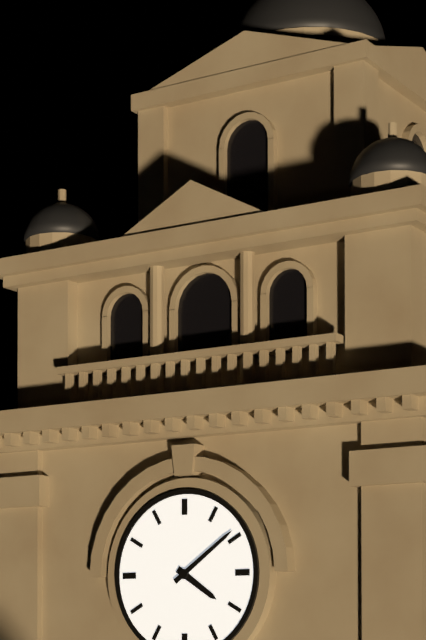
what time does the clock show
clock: 4:09
